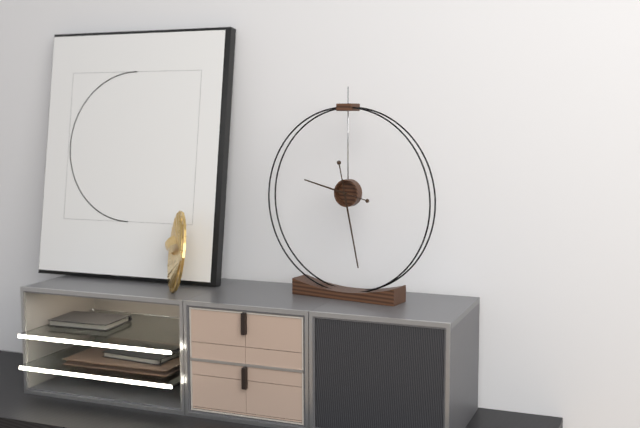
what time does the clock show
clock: 9:28
